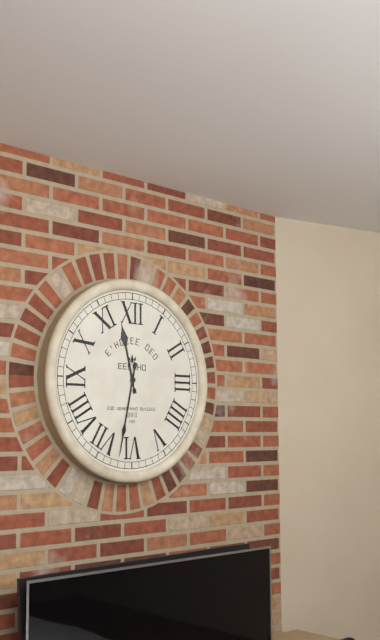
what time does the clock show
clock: 11:32
